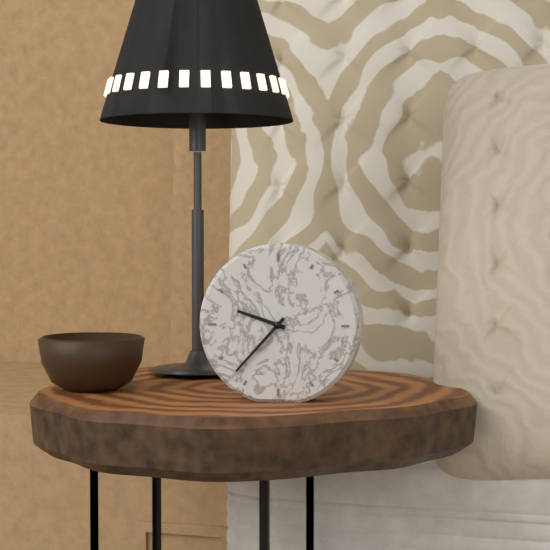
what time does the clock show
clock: 9:37
